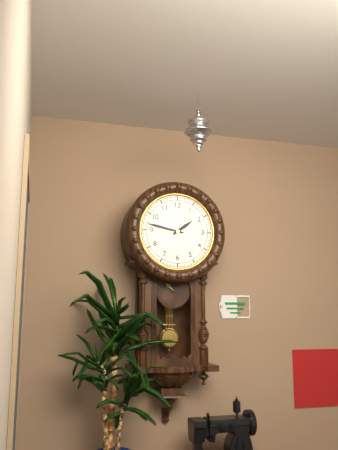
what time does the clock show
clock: 1:47
